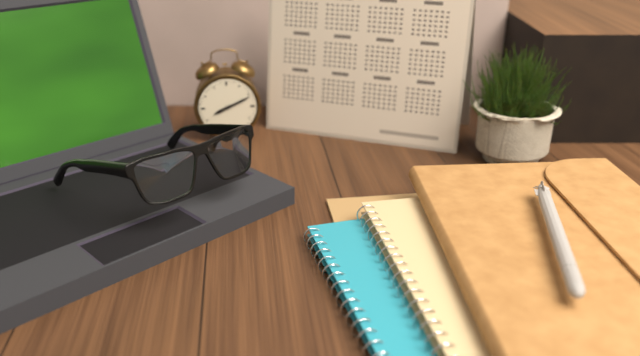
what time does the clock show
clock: 8:11
